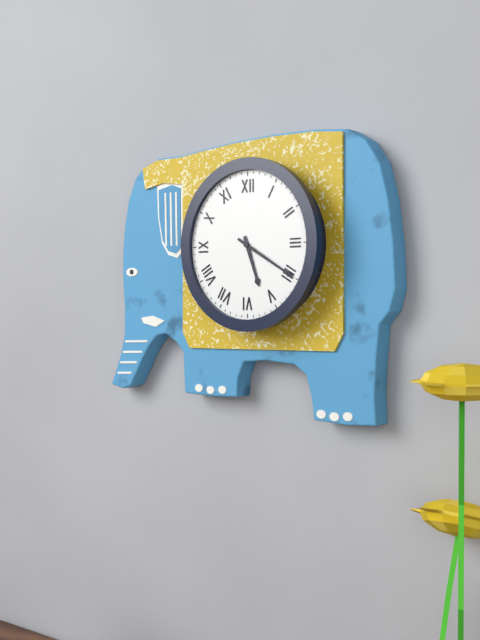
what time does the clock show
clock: 5:20
